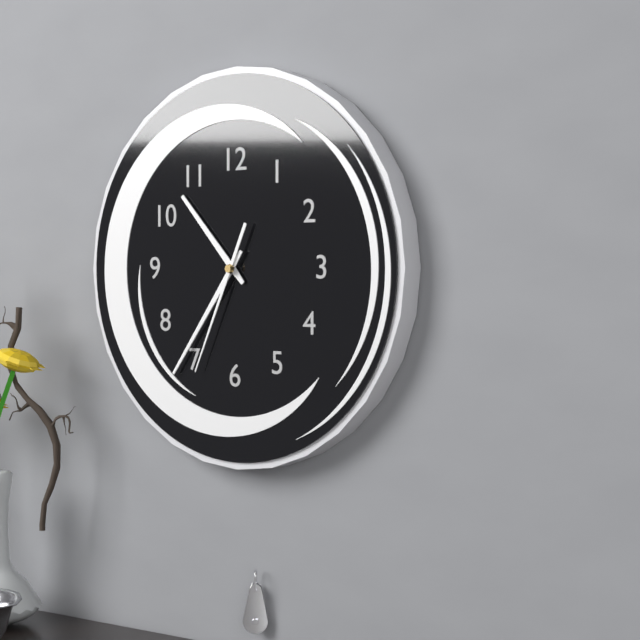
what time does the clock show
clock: 10:36:34
